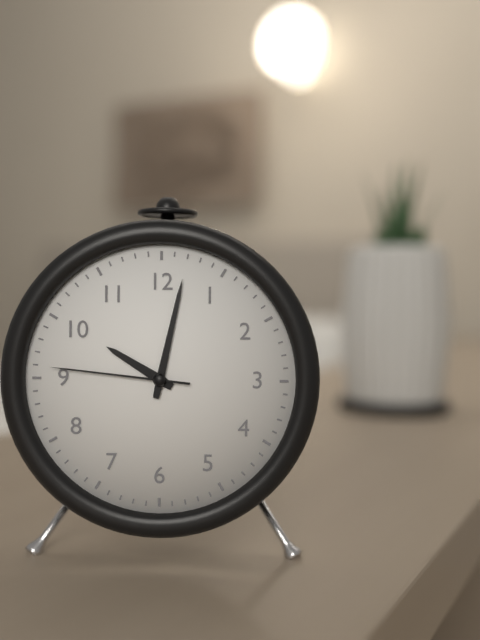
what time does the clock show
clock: 10:02:46
